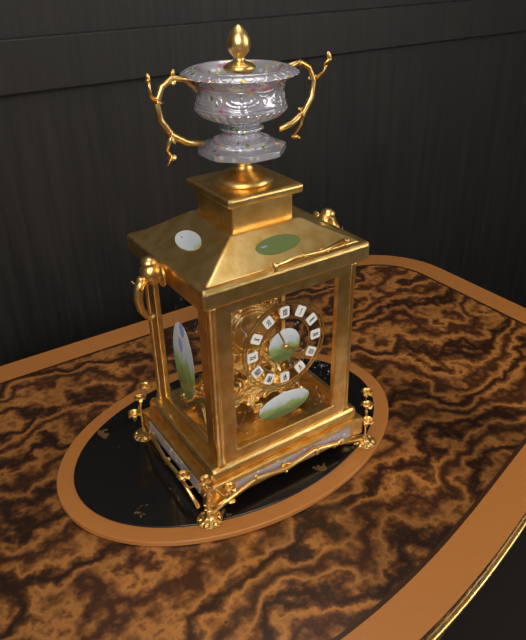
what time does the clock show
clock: 3:56
